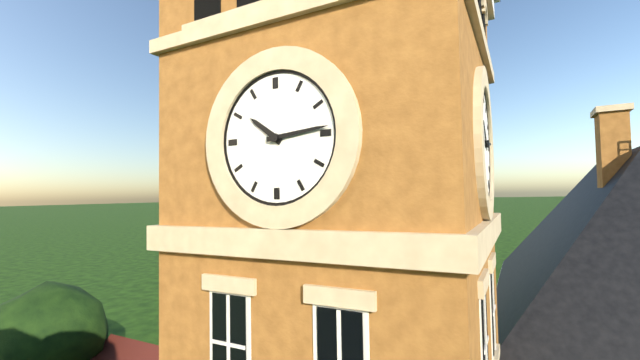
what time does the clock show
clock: 10:14
